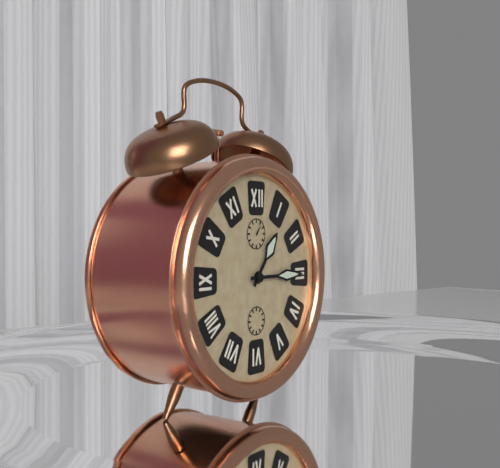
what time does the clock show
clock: 1:15
